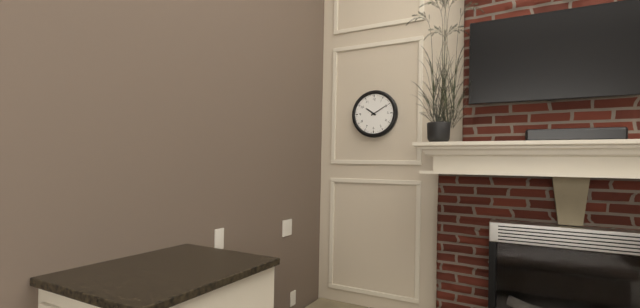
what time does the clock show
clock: 10:10
